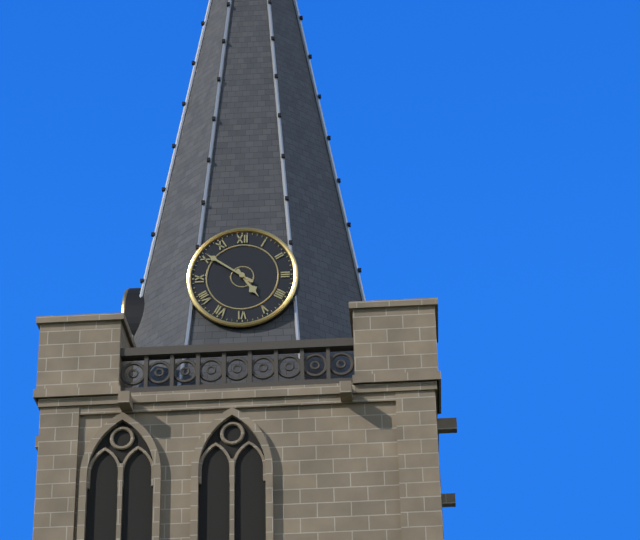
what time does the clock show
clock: 4:51
